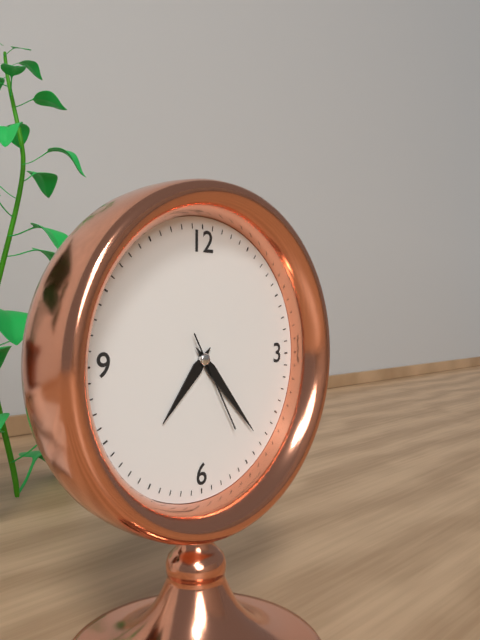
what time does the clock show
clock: 7:23:25
